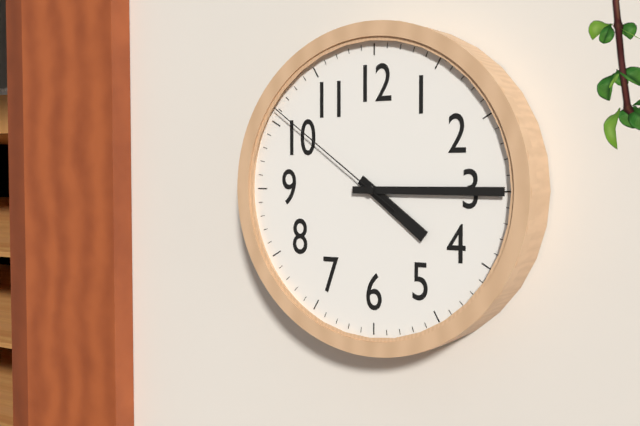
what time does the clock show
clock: 4:15:51
